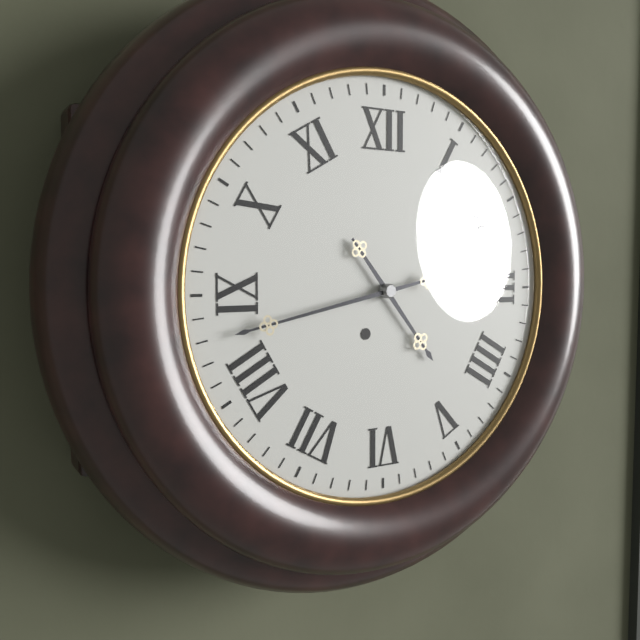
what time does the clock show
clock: 4:43
